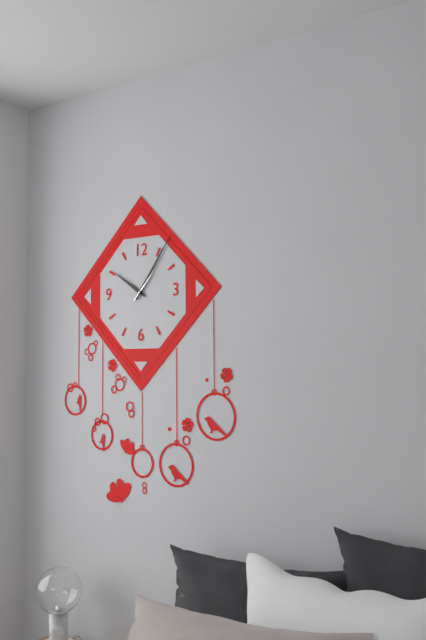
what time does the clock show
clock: 10:06
